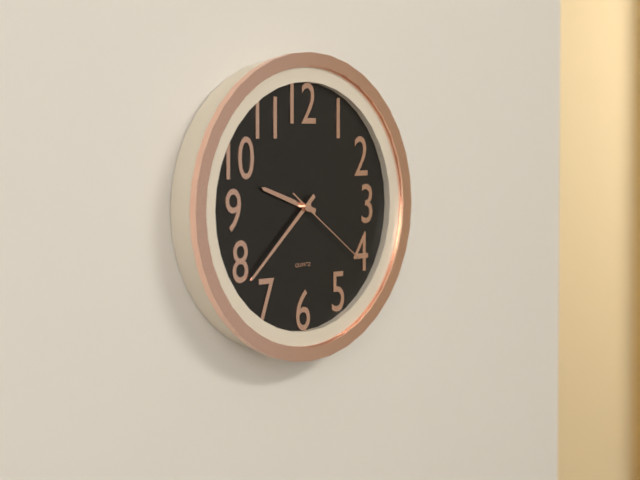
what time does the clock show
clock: 9:38:21
